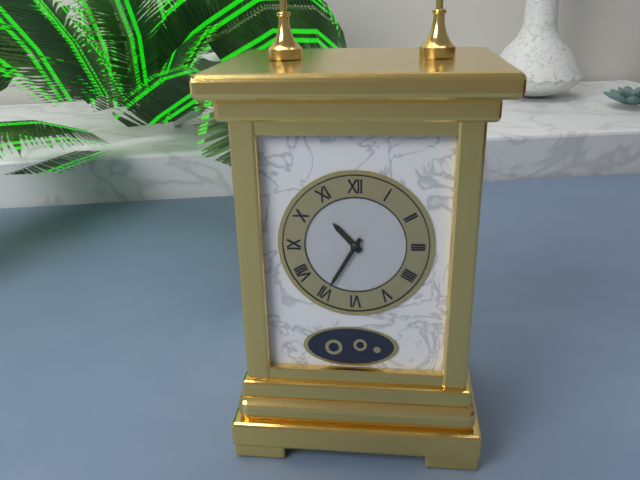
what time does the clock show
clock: 10:35
